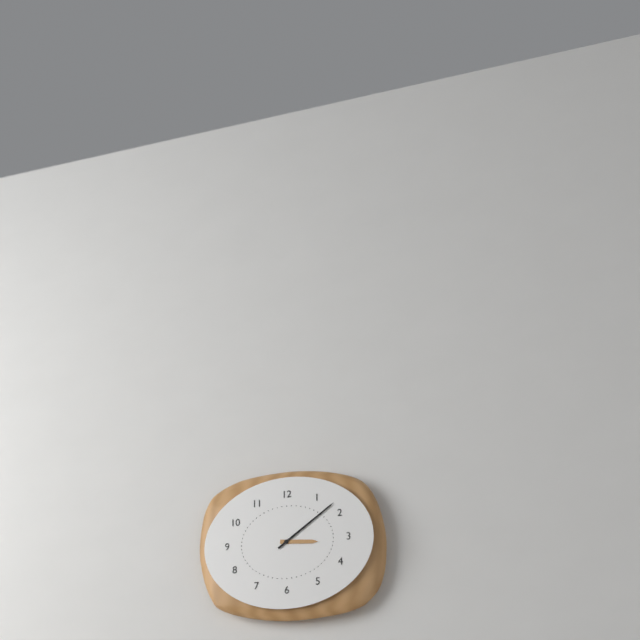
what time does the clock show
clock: 3:09
